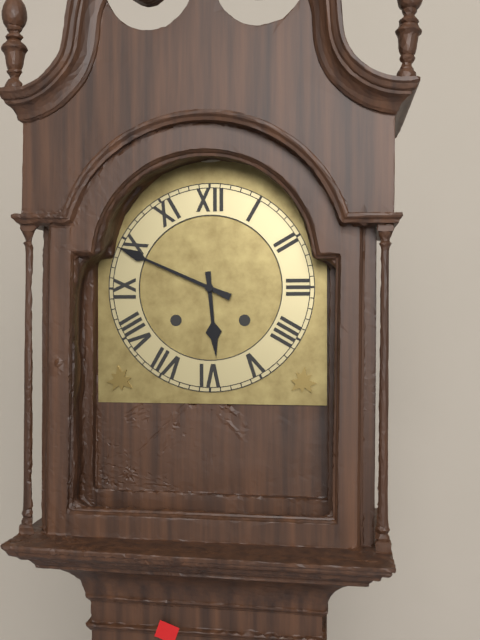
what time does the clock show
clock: 5:49
